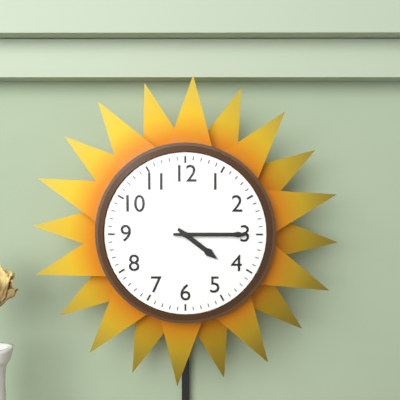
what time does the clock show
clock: 4:15
